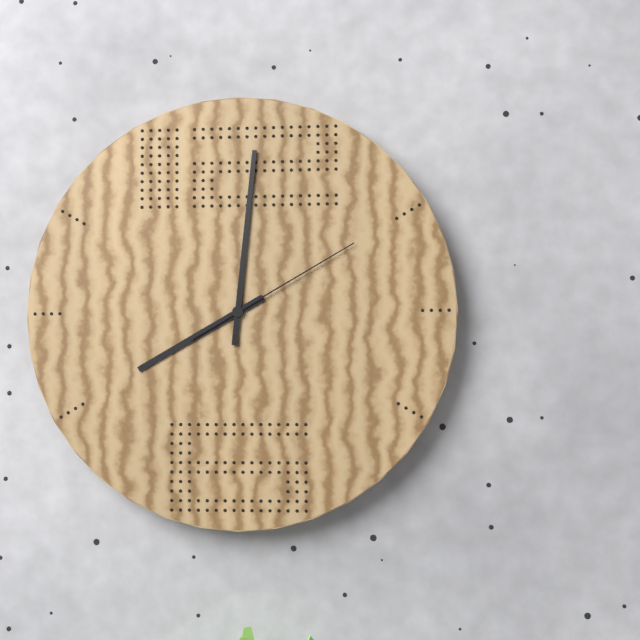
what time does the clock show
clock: 8:01:10
